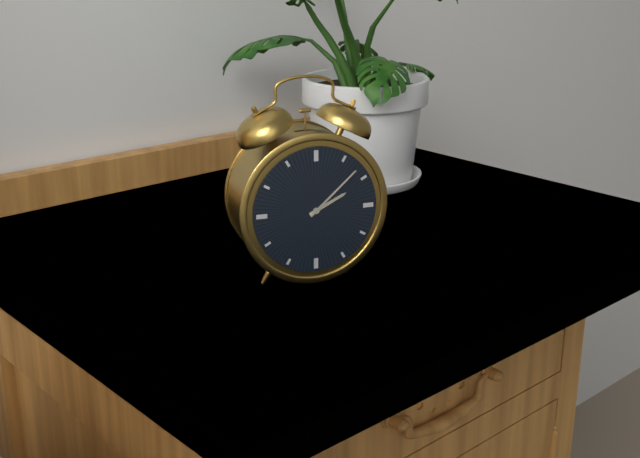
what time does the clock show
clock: 2:08
